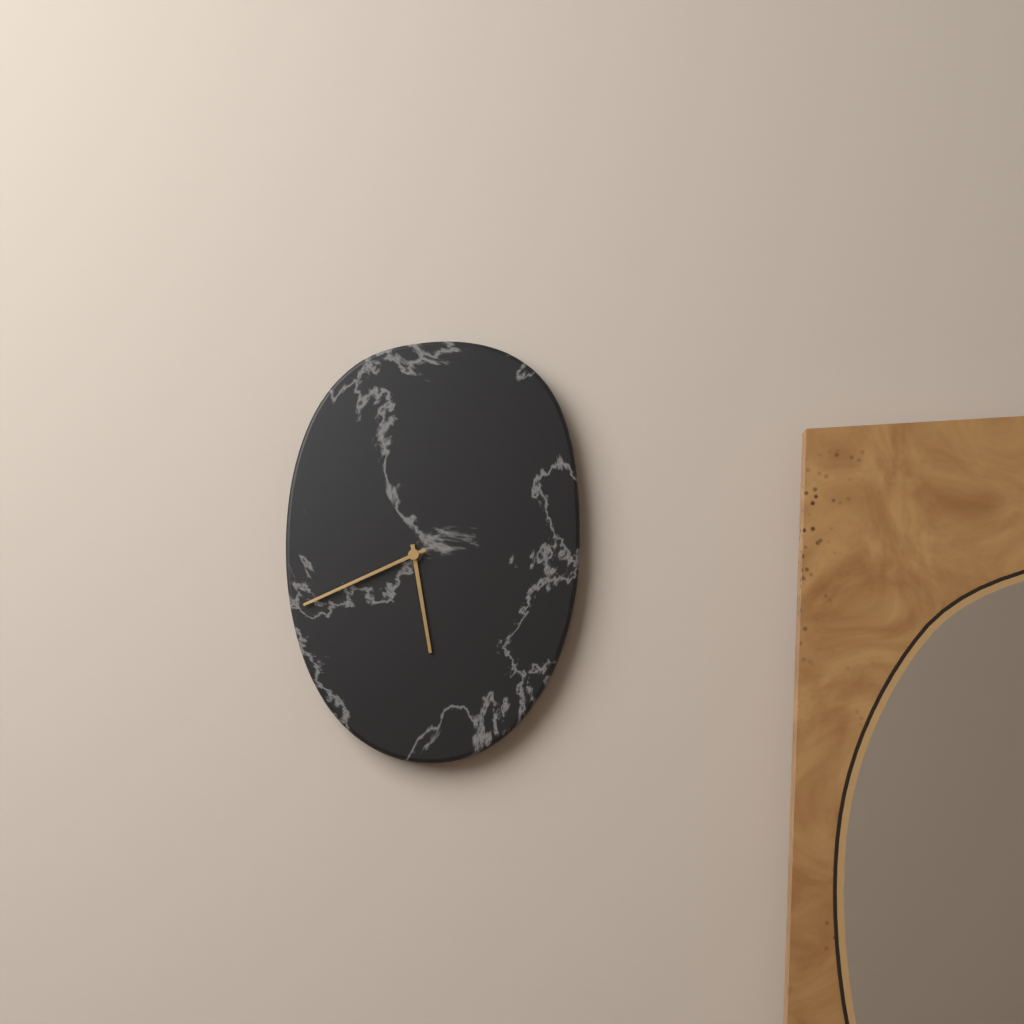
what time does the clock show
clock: 5:41
